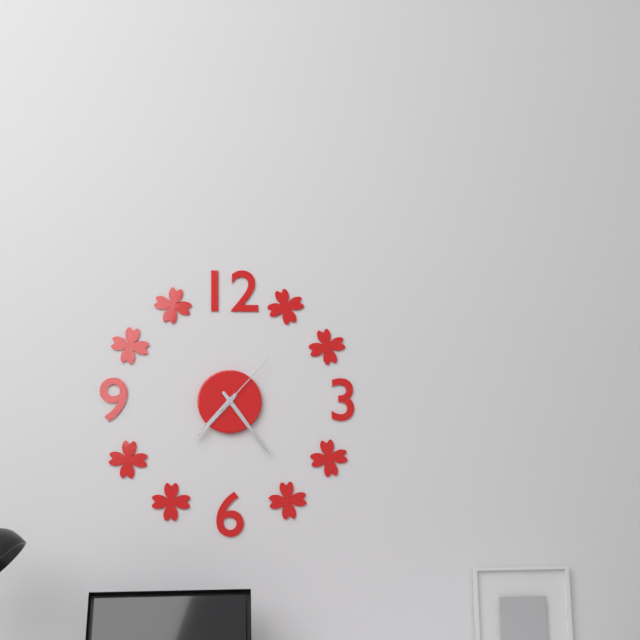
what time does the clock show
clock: 7:24:07
